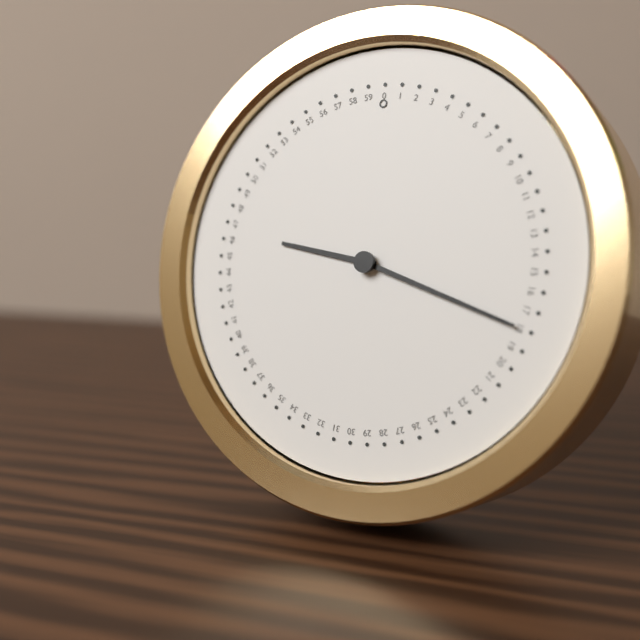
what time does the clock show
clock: 9:18
